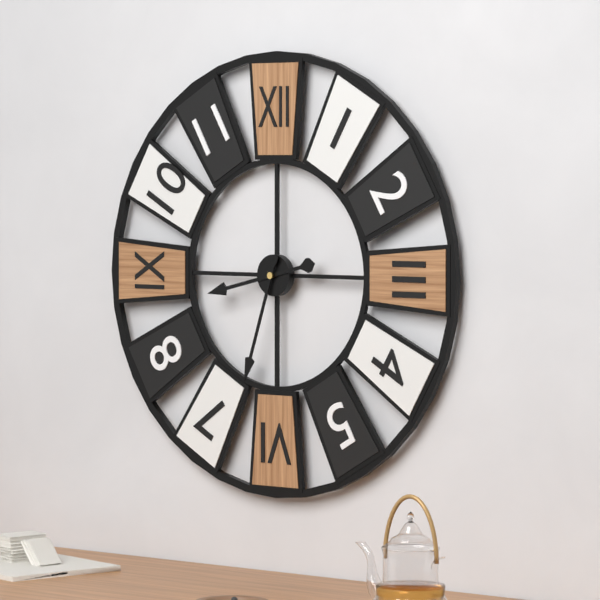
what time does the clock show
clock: 8:33
